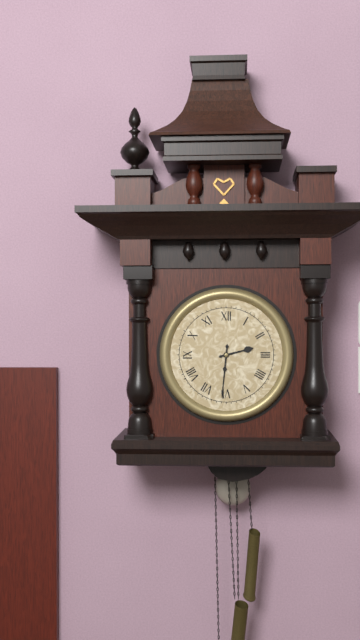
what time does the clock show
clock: 2:31
